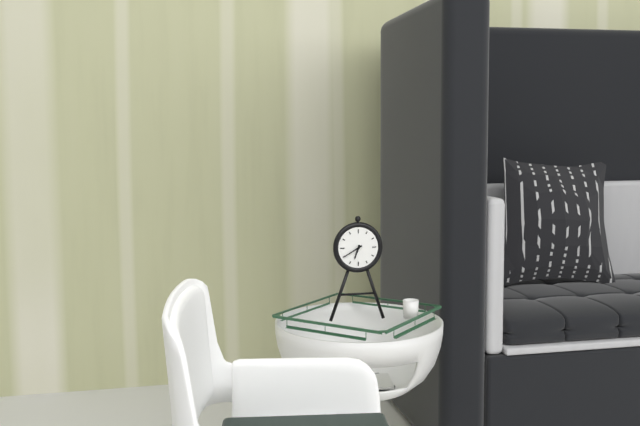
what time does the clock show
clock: 6:40
